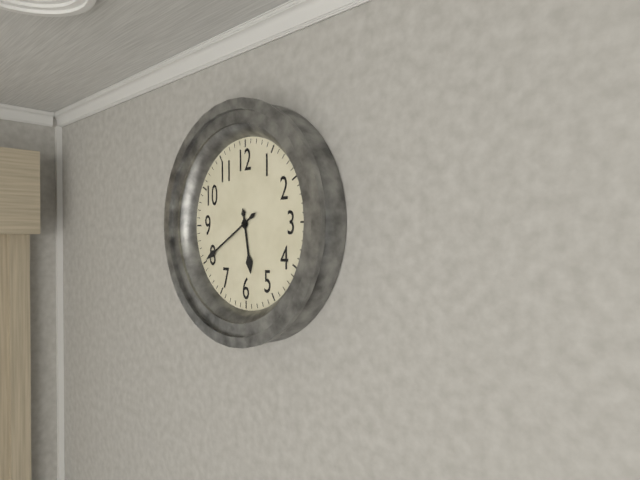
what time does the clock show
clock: 5:40
